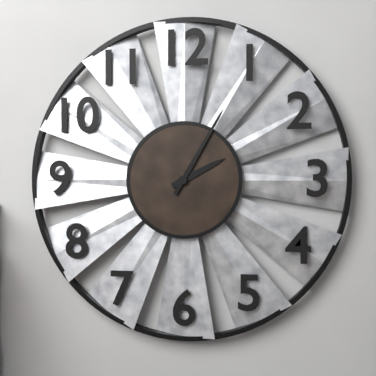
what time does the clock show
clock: 2:05
